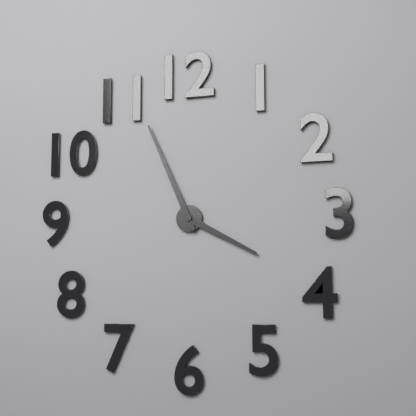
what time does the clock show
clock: 3:56
